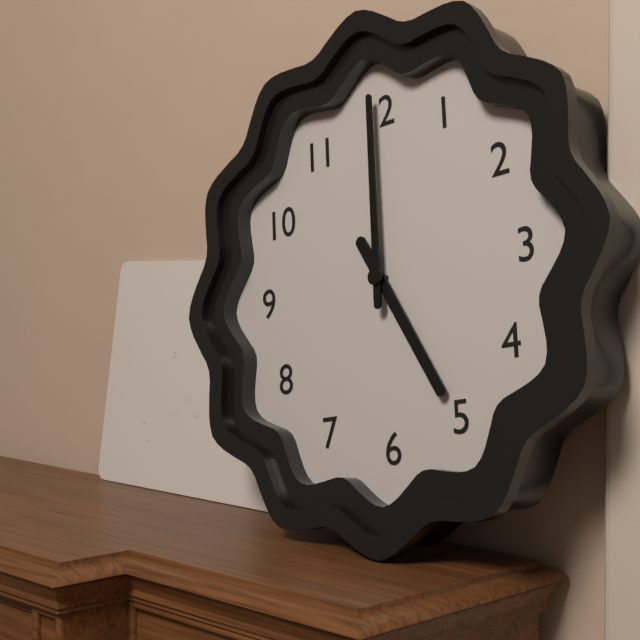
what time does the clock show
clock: 5:00
